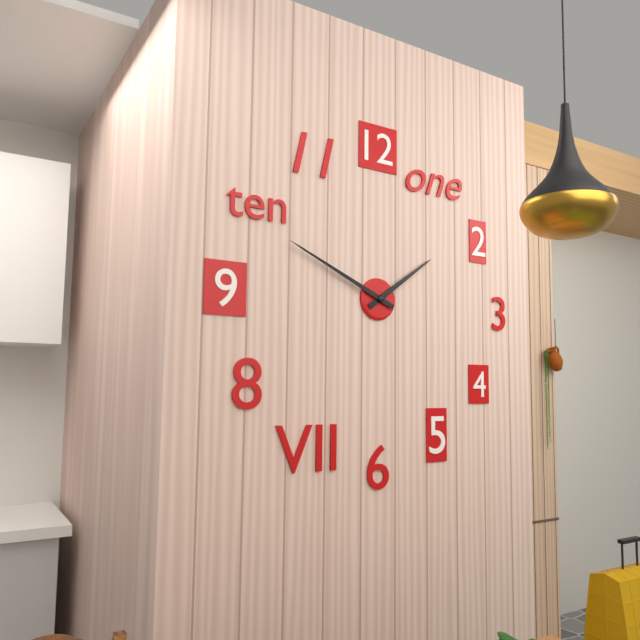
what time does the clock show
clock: 1:49
